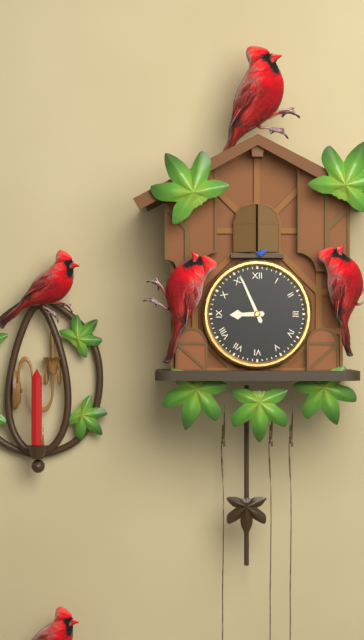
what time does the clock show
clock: 8:56
